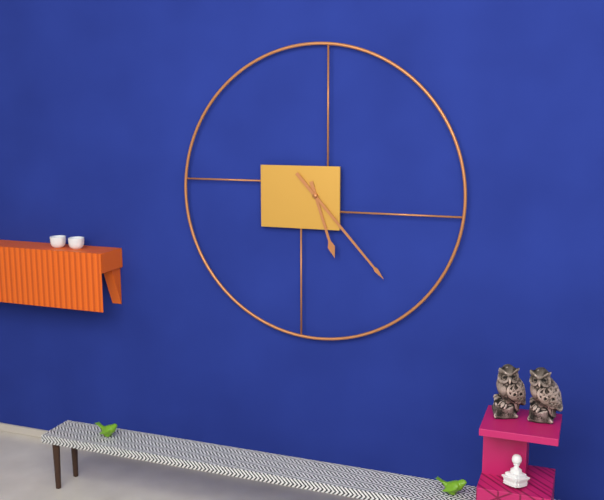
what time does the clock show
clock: 5:23
